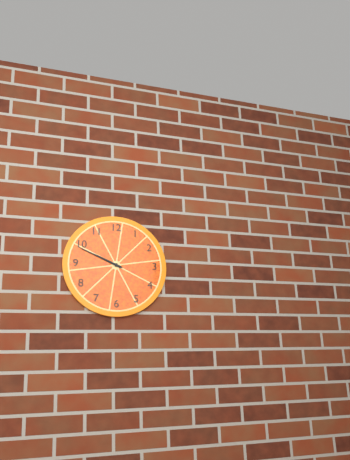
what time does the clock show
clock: 9:49
